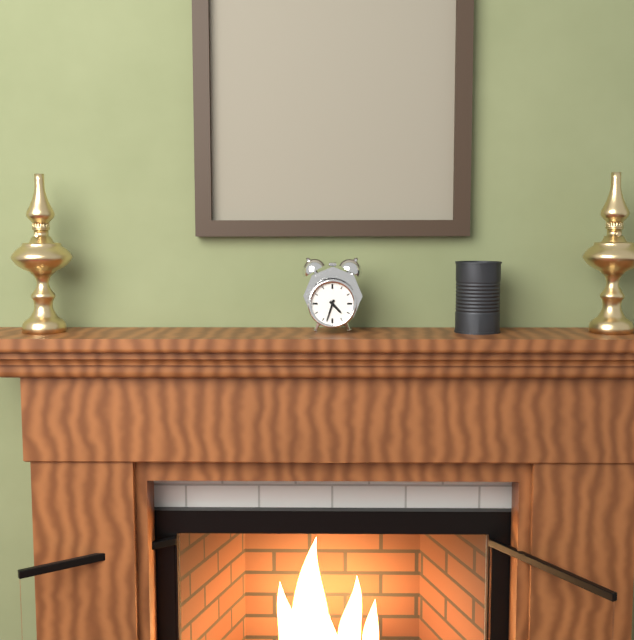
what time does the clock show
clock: 4:33
